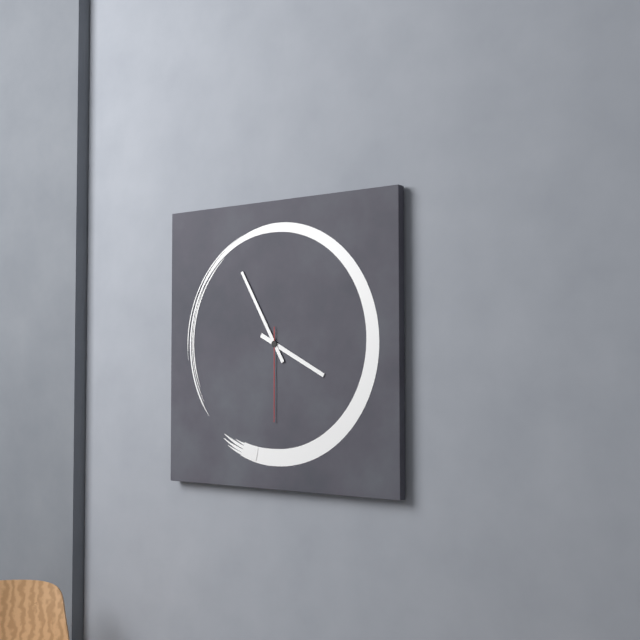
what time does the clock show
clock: 3:55:30
